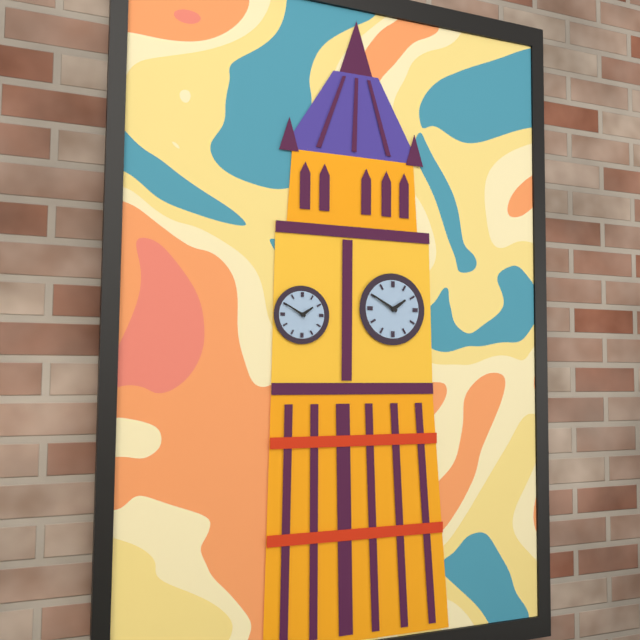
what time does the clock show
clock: 1:50
